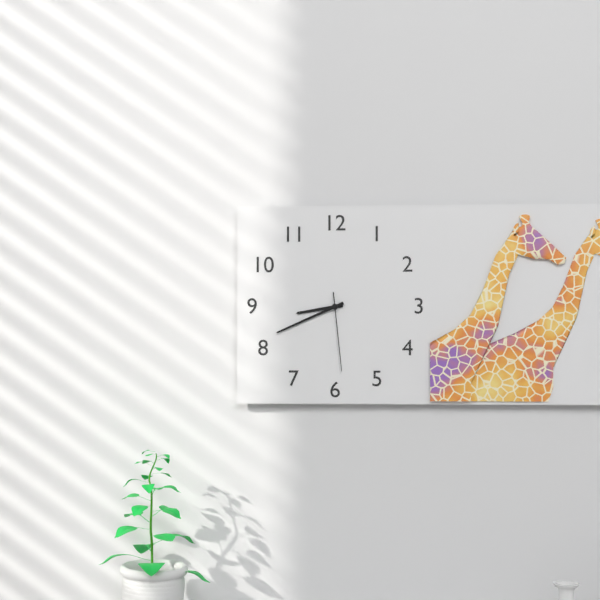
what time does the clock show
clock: 8:41:29
